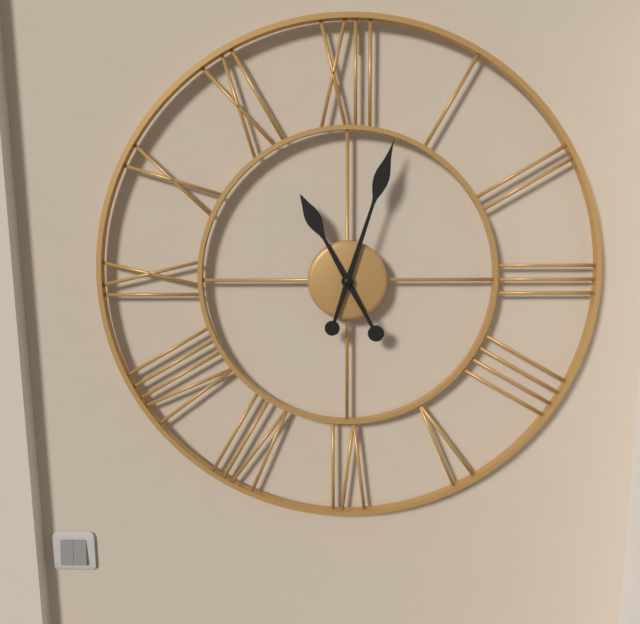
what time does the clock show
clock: 11:03
